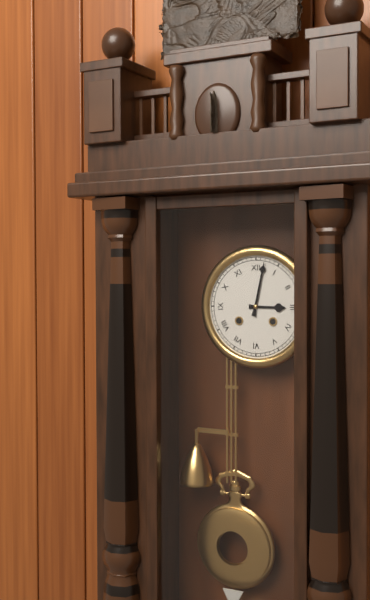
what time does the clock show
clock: 3:02
